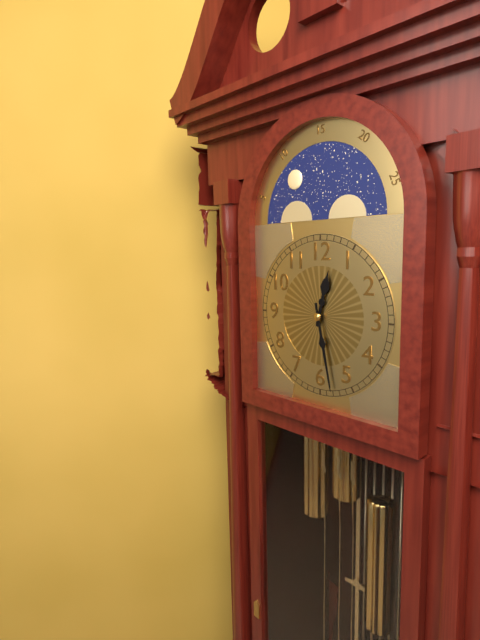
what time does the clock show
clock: 12:28
